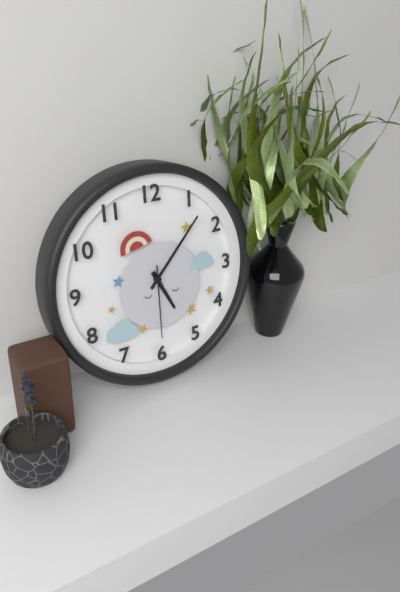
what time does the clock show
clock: 5:07:30
